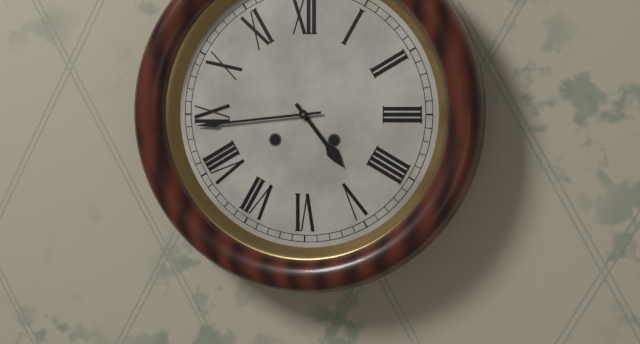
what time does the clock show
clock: 4:44
